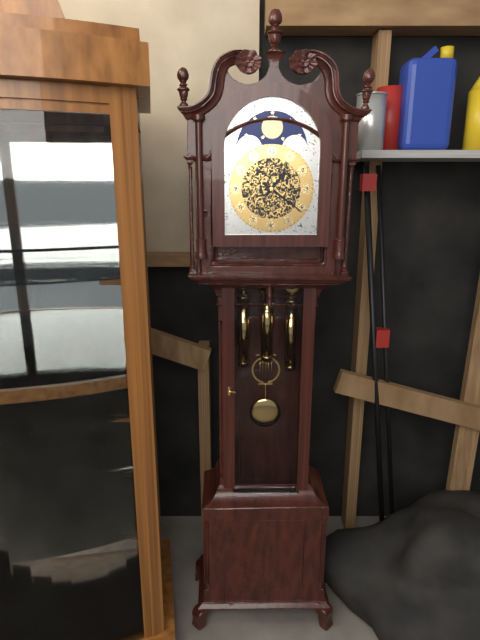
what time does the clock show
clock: 1:21
